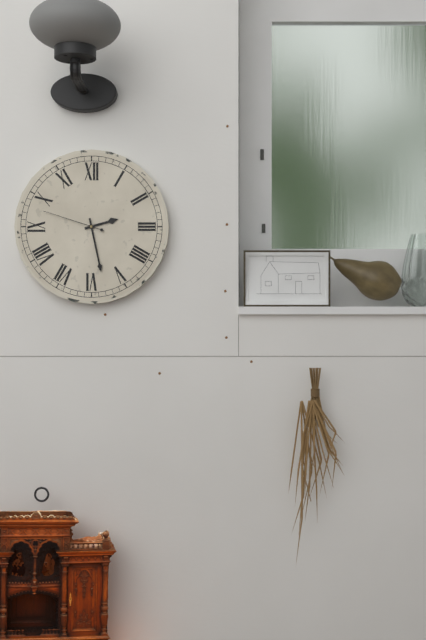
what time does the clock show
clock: 2:28:48
